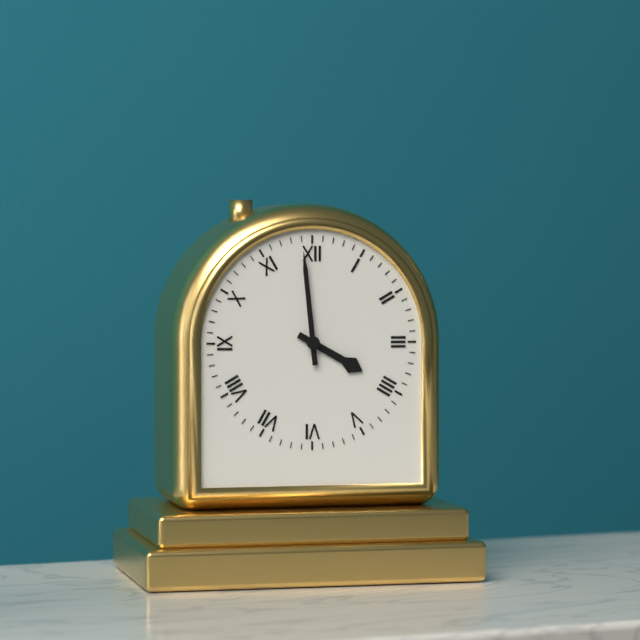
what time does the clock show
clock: 3:59
